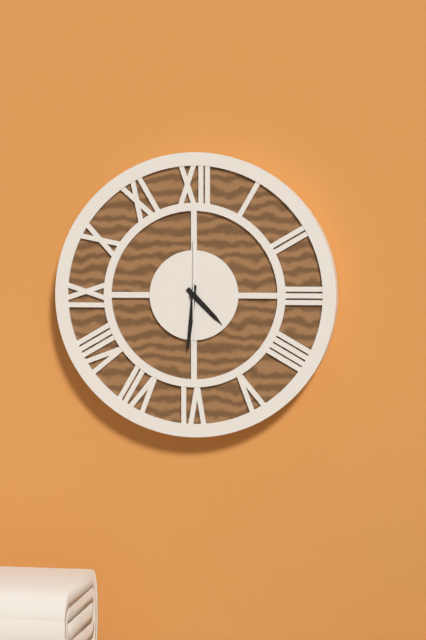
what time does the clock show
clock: 4:31:00
